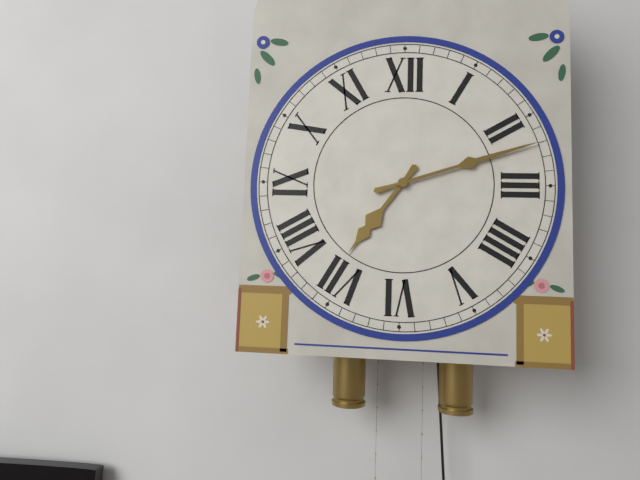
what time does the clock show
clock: 7:12
